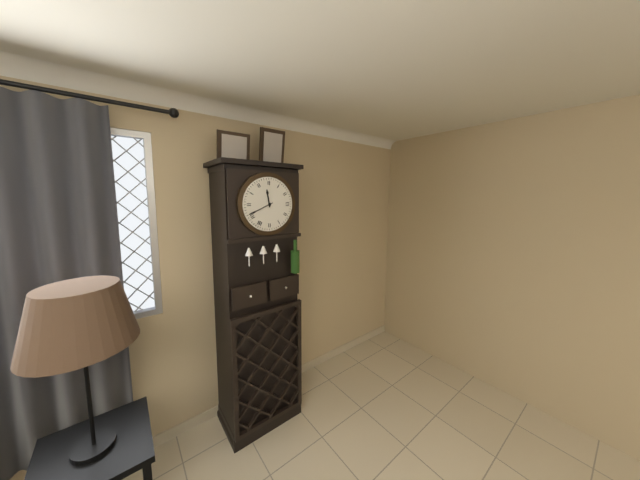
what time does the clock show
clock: 11:41
